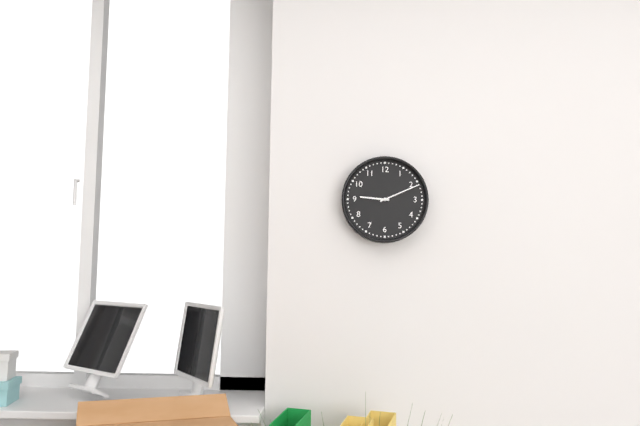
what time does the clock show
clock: 9:11
